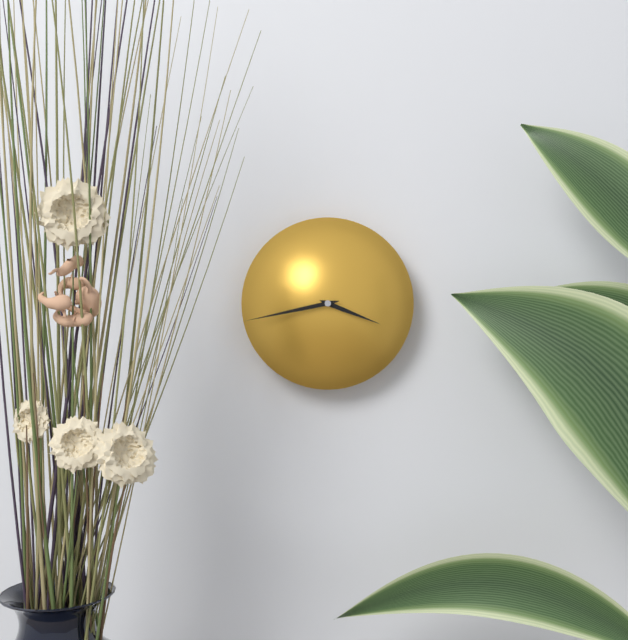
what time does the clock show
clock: 3:43
